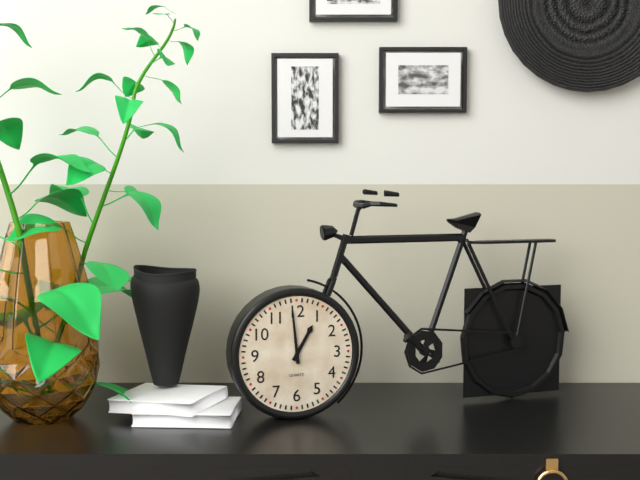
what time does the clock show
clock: 12:59
